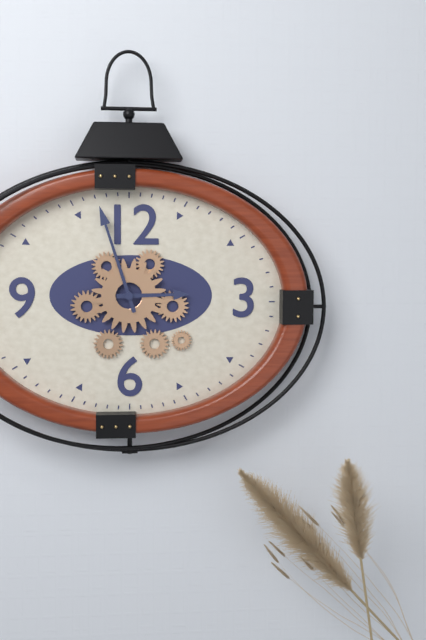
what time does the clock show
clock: 2:57
